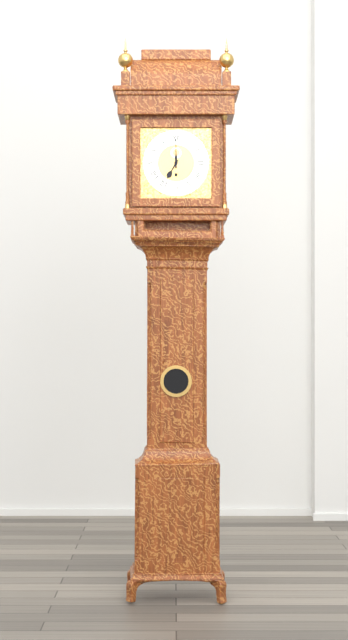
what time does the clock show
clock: 7:00
